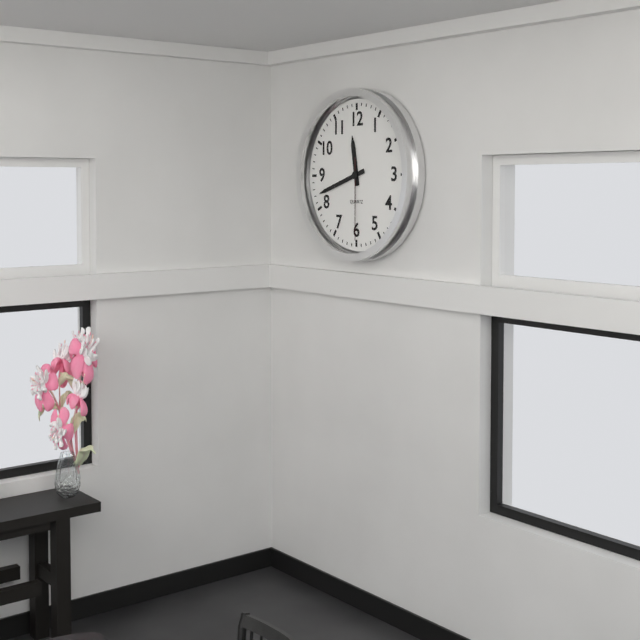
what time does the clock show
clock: 11:42:30
